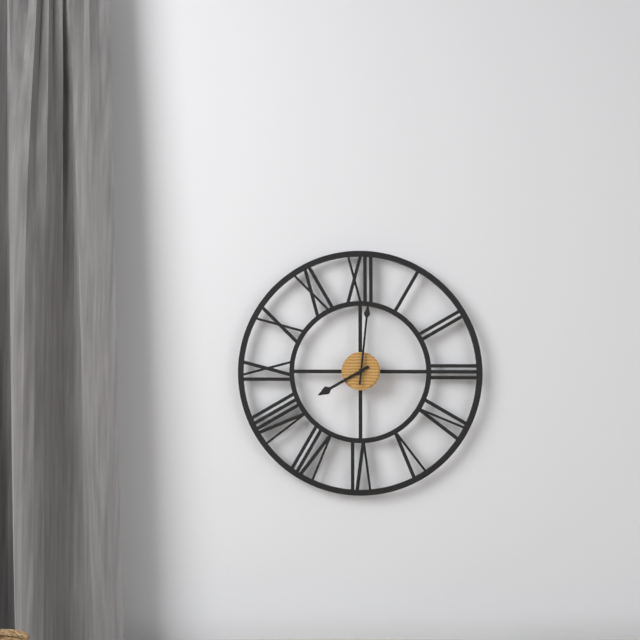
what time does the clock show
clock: 8:01
